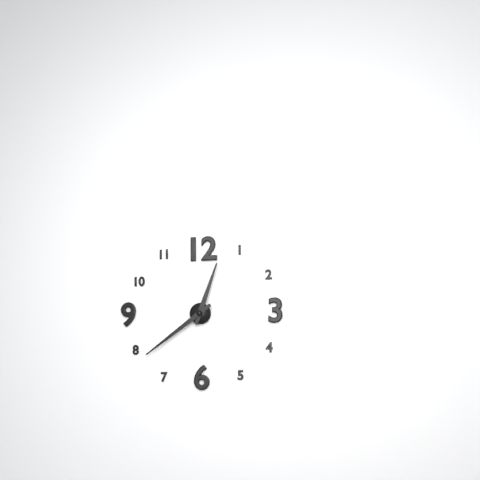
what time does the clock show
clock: 12:39
